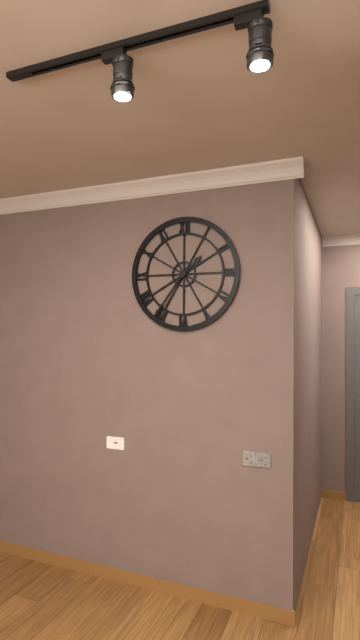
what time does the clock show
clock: 1:36
